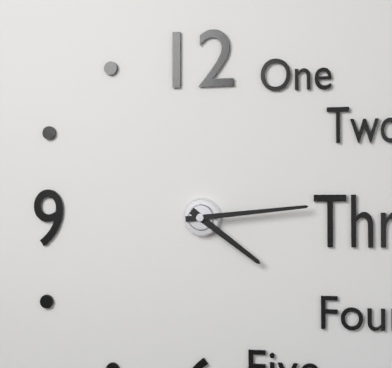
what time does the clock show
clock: 4:14
